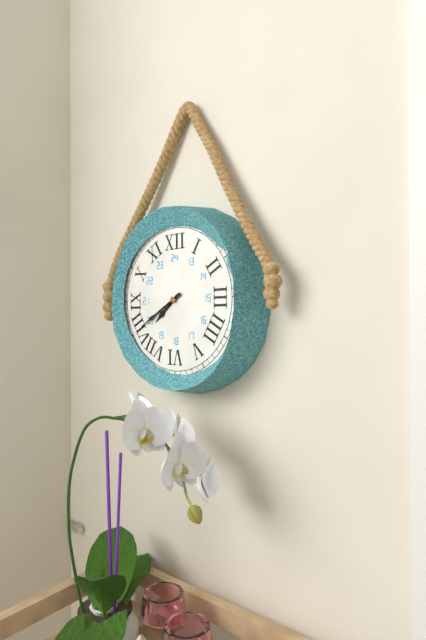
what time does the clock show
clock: 7:40
